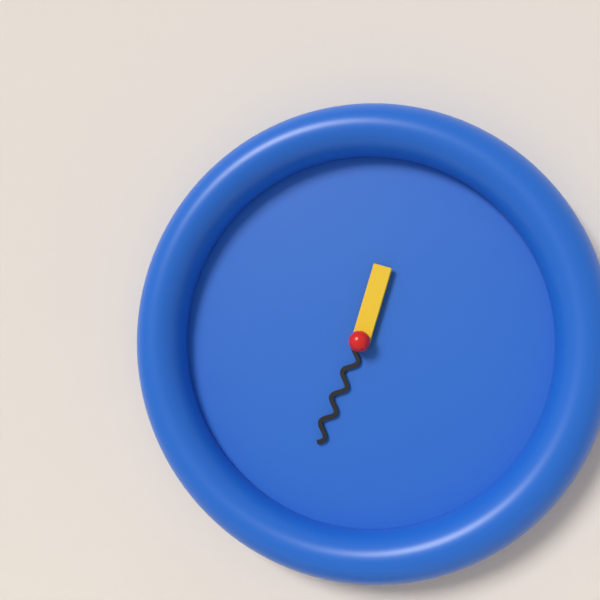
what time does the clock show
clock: 12:34
